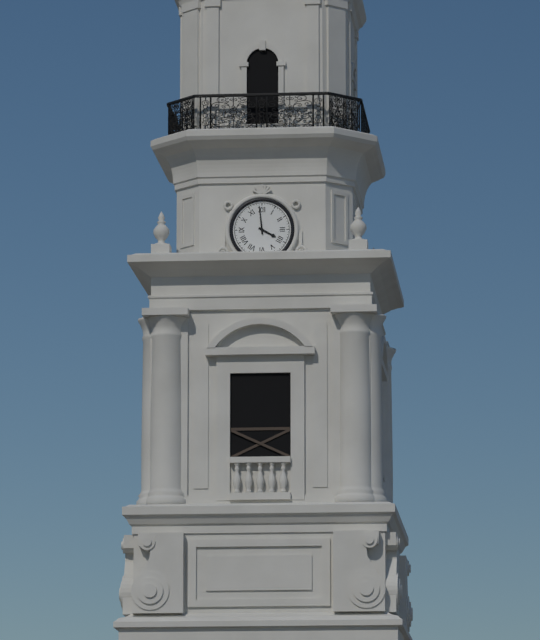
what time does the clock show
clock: 3:59
